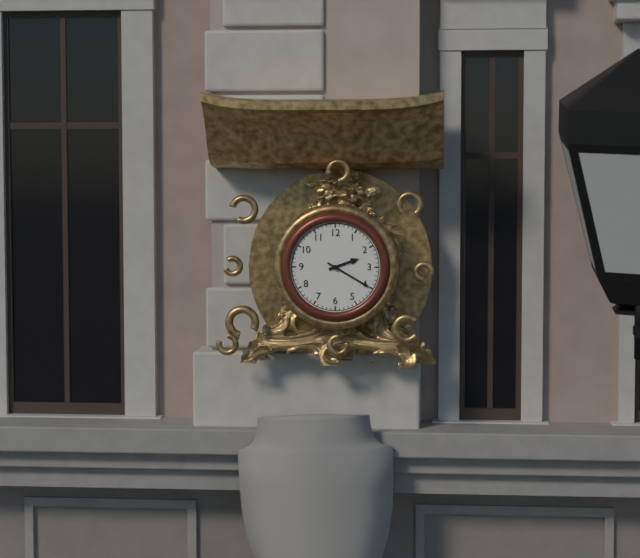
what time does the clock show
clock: 2:20
